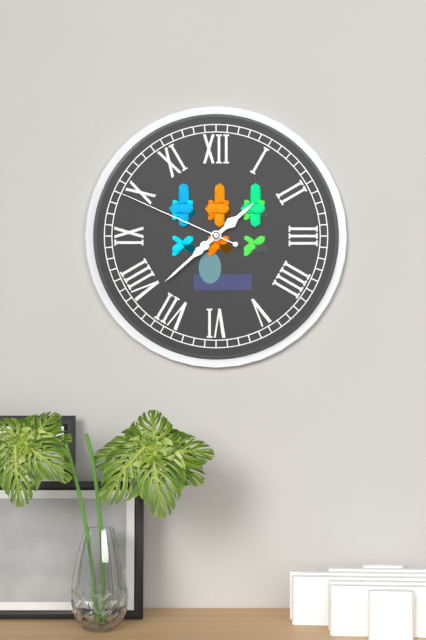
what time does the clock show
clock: 1:38:49
